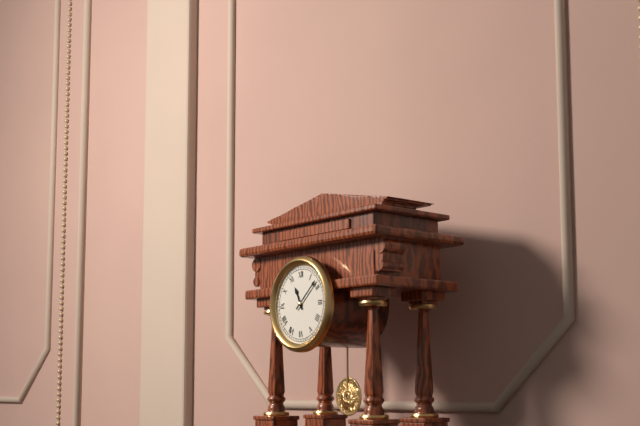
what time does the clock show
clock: 11:08
